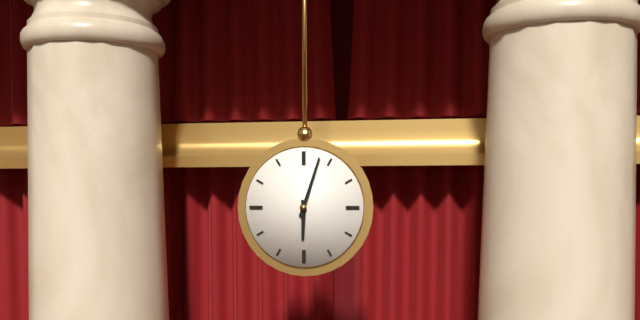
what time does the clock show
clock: 6:03
